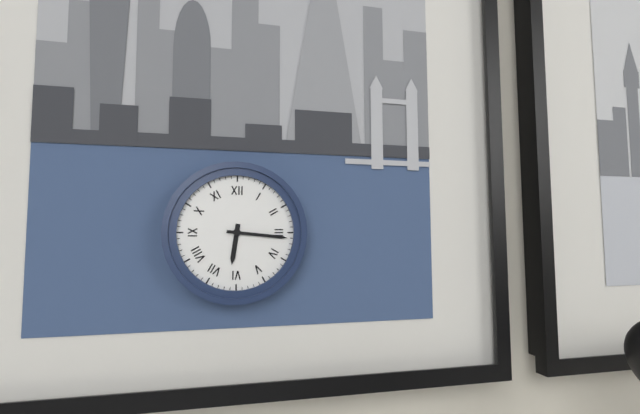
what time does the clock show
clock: 6:16
